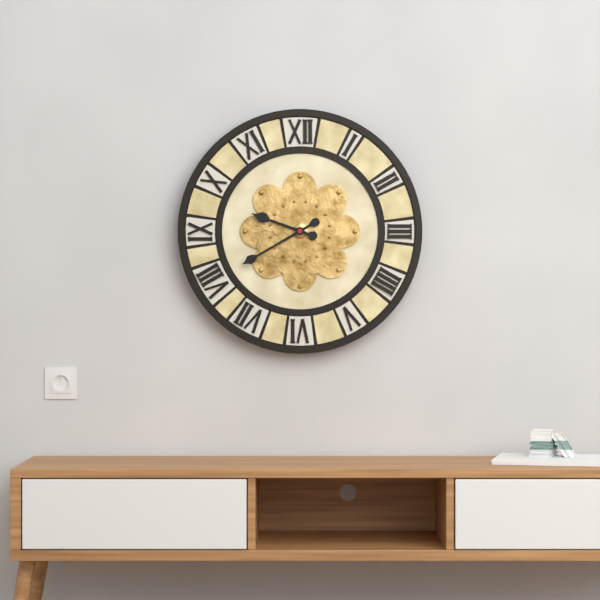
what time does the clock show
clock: 9:40
